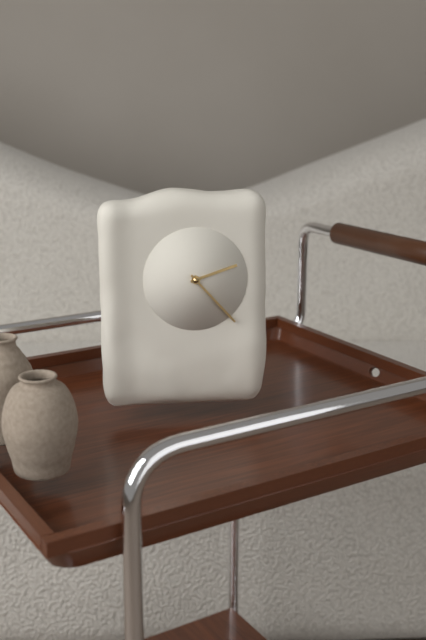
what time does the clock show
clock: 2:23
